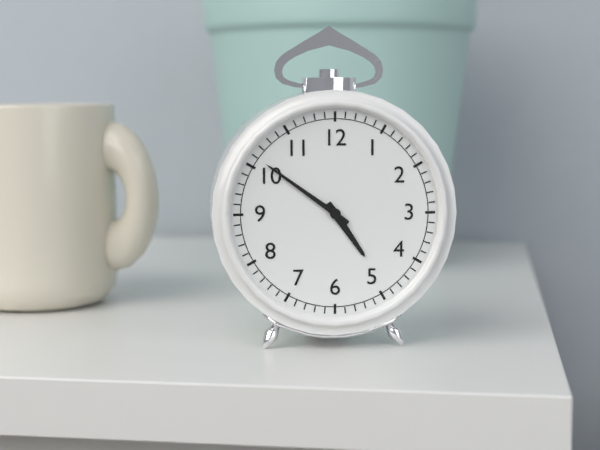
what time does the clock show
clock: 4:51
